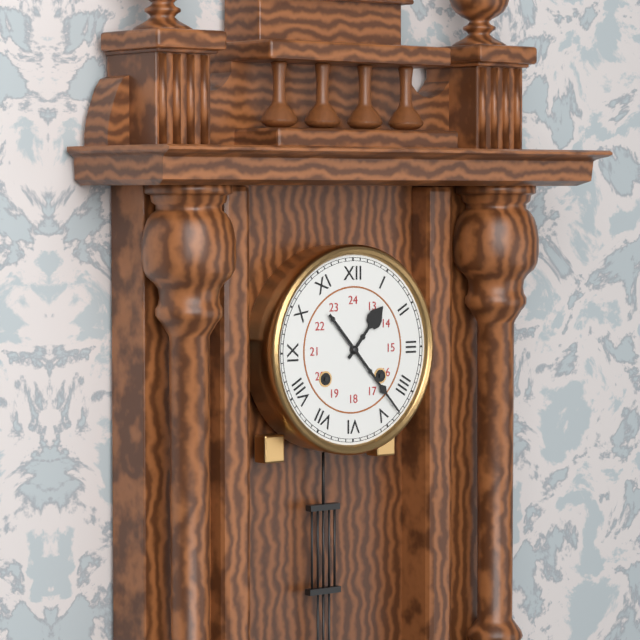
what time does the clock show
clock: 1:23
